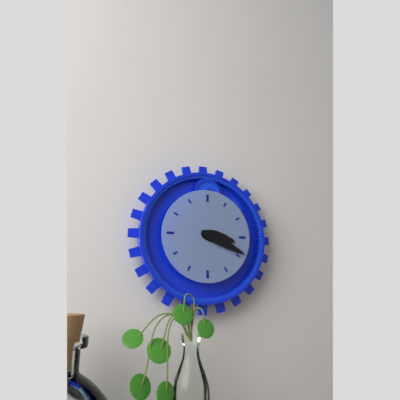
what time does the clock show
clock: 3:19
